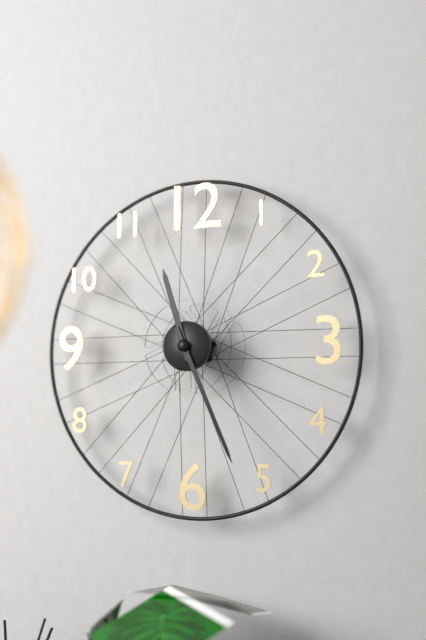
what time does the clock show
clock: 11:26
